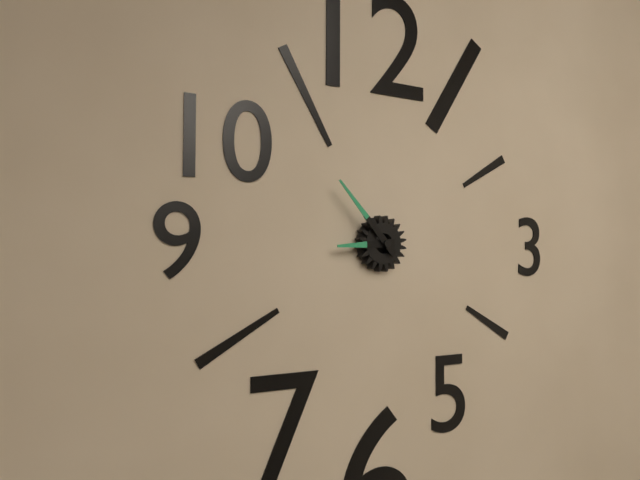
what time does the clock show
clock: 8:53
